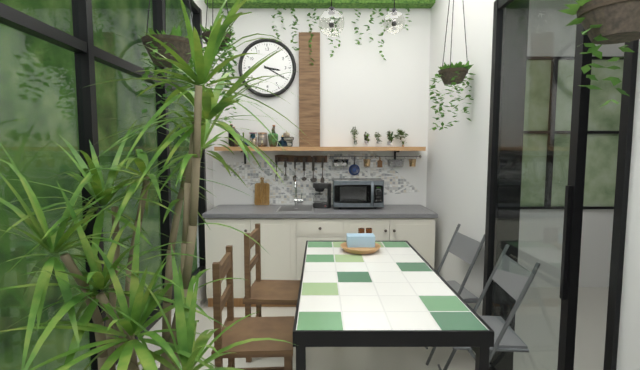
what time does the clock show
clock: 3:20
